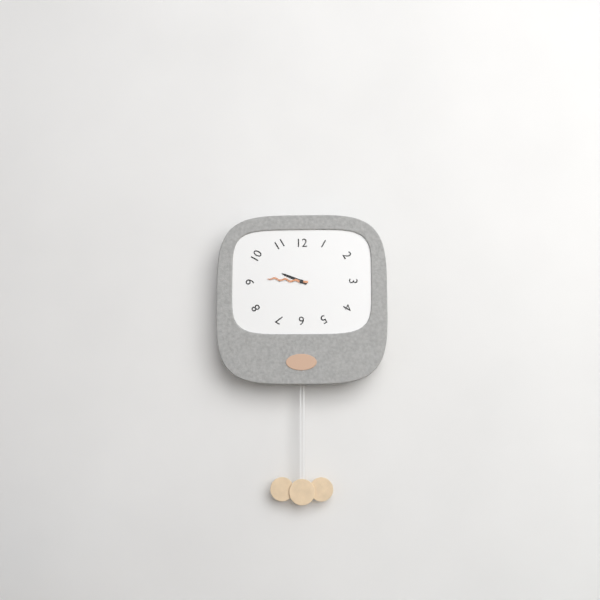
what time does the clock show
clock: 9:46
